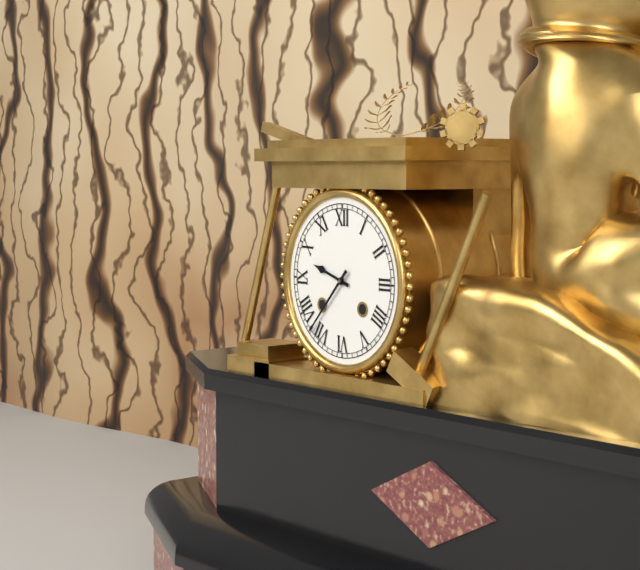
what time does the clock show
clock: 9:37
